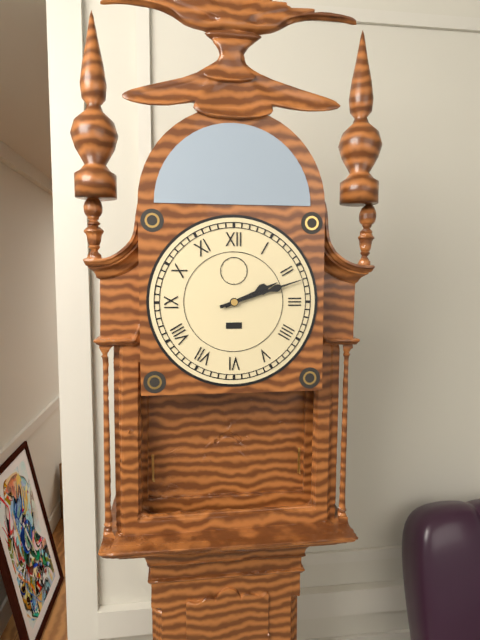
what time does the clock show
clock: 2:12
